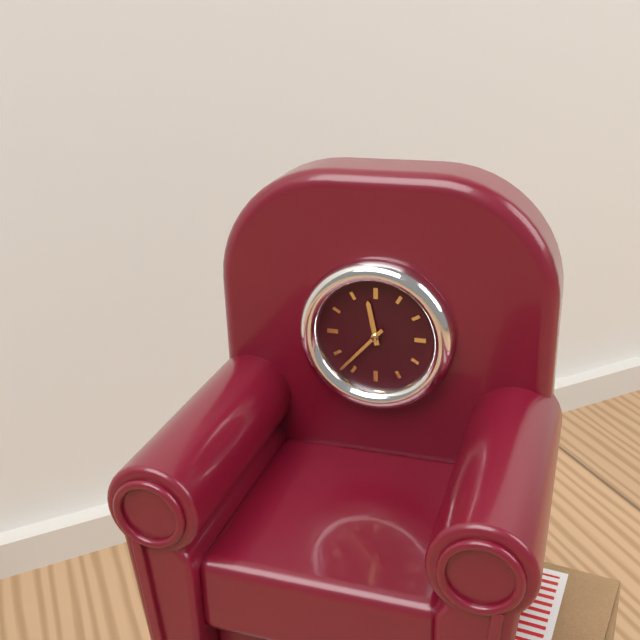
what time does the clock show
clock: 11:37
